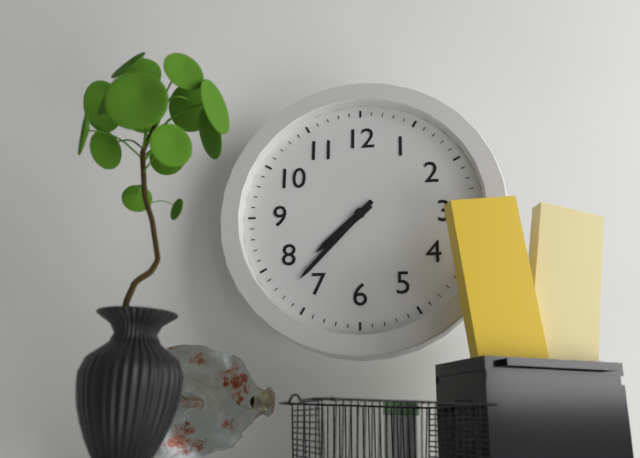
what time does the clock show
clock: 7:37
